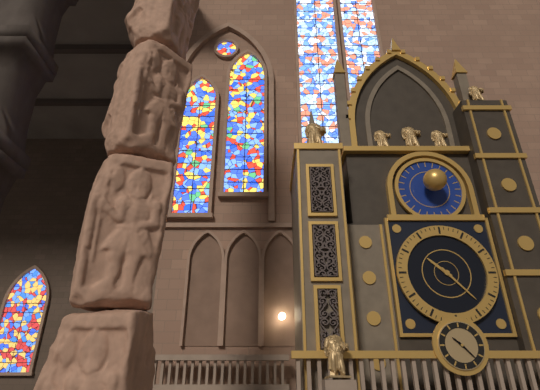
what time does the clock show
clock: 10:23
